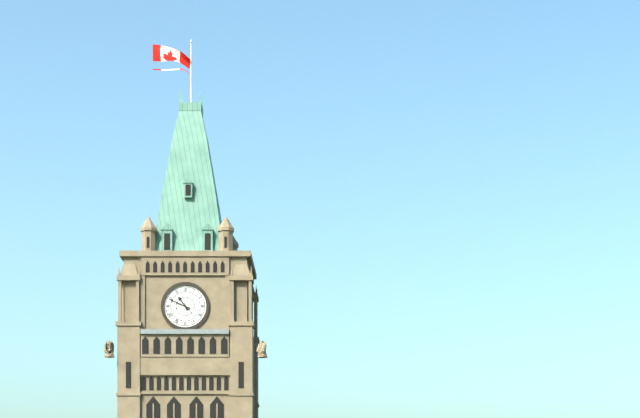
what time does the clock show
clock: 10:49
